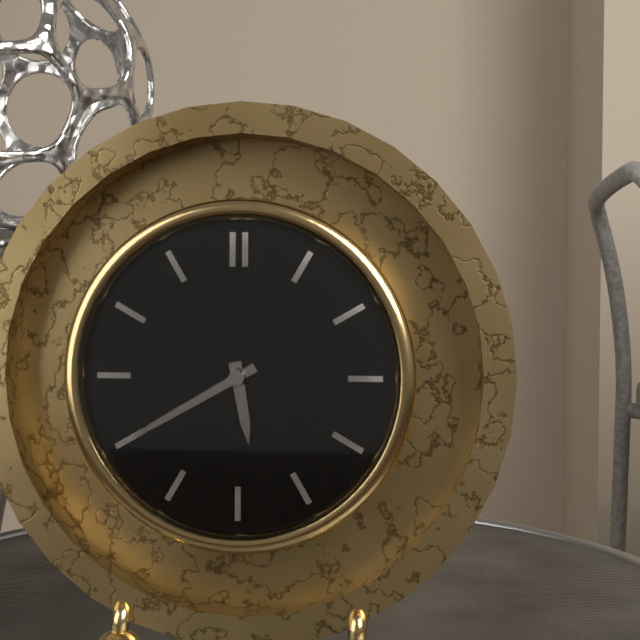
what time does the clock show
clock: 5:40
